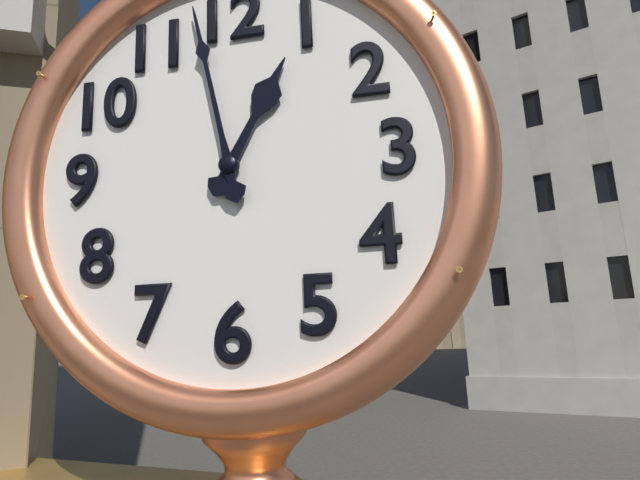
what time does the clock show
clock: 12:58
